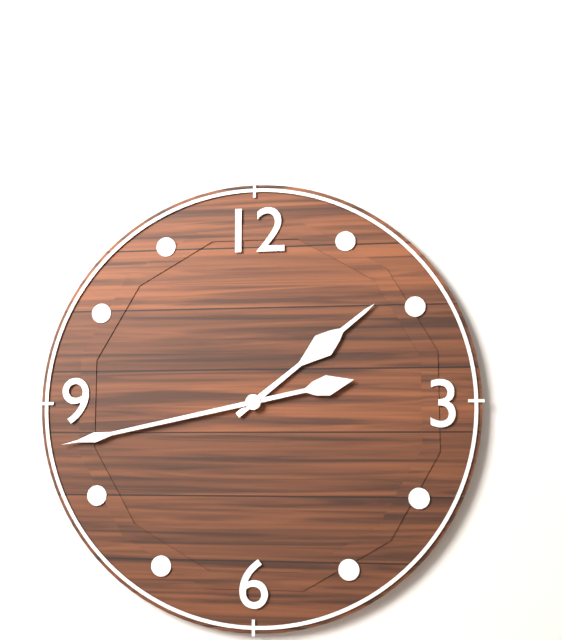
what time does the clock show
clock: 1:43
